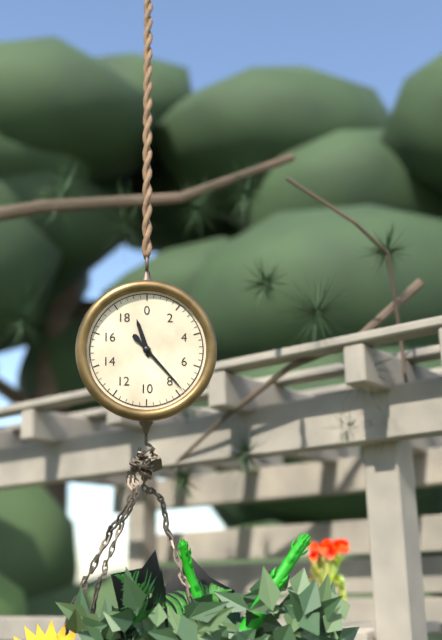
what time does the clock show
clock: 11:23
